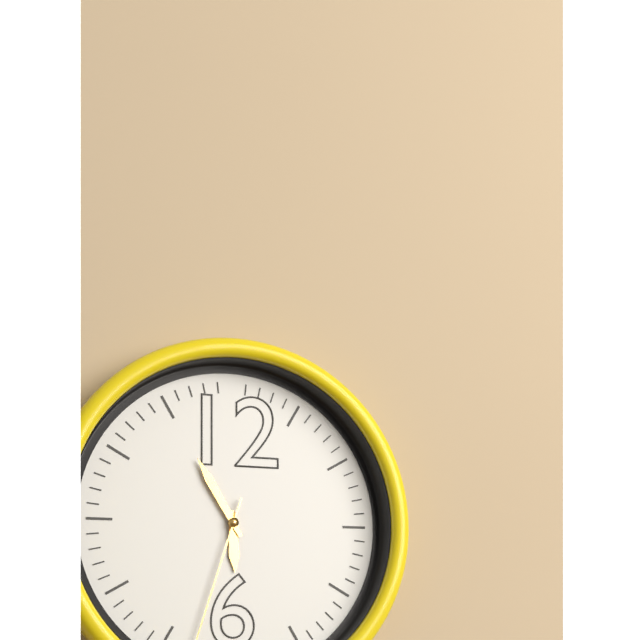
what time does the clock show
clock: 5:55
